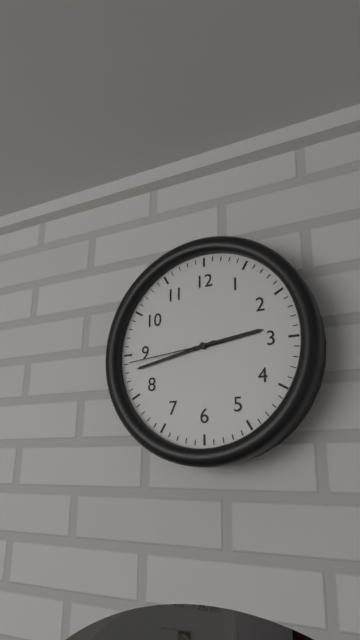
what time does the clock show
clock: 2:43:44
